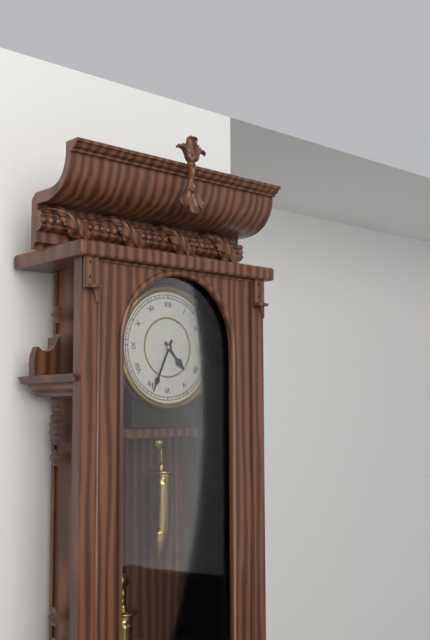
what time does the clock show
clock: 4:34
